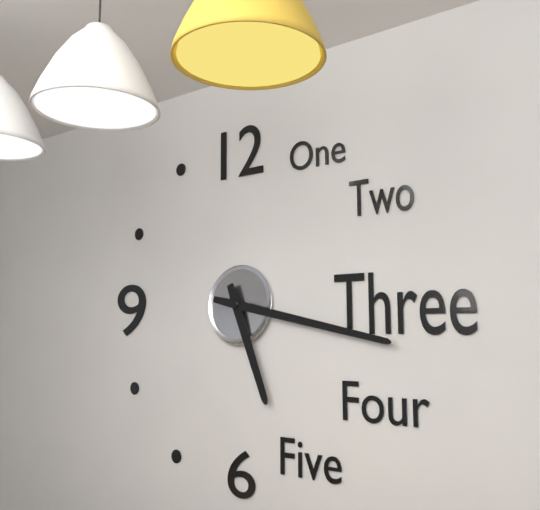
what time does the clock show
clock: 5:17
